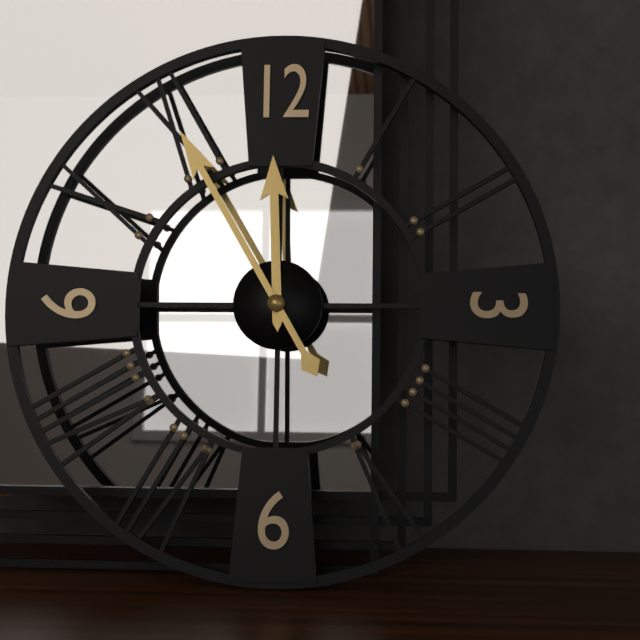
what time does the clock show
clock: 11:55
